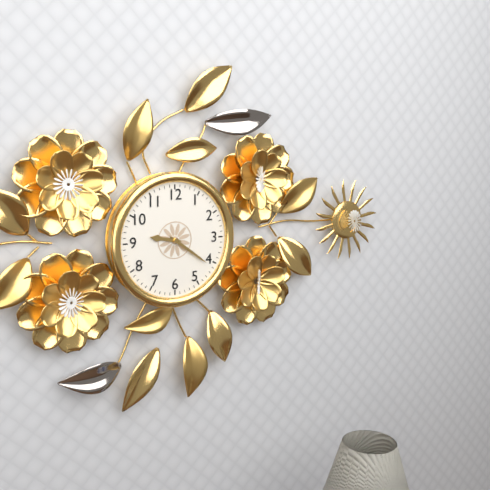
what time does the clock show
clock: 9:21
